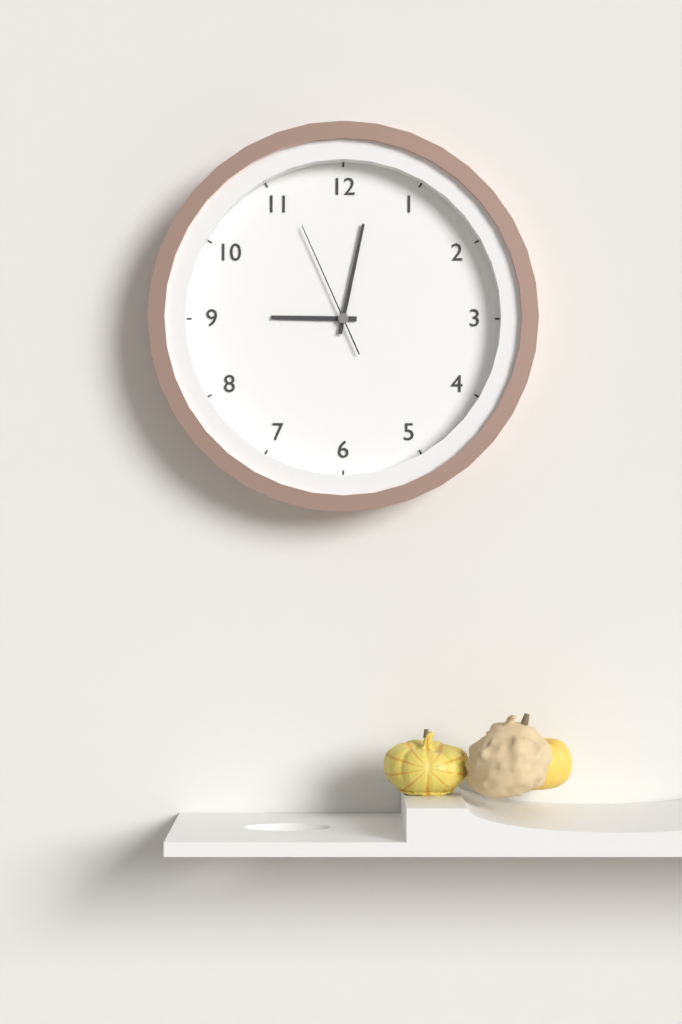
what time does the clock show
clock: 9:02:56
